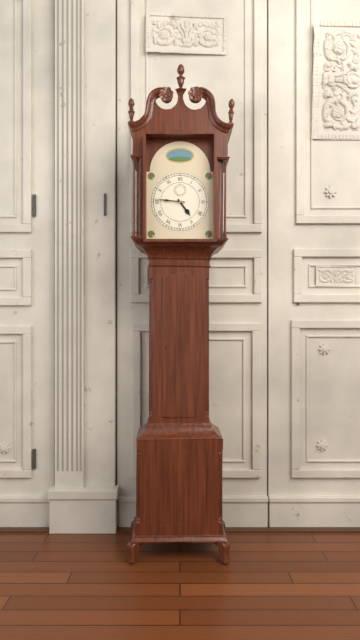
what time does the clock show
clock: 4:46
